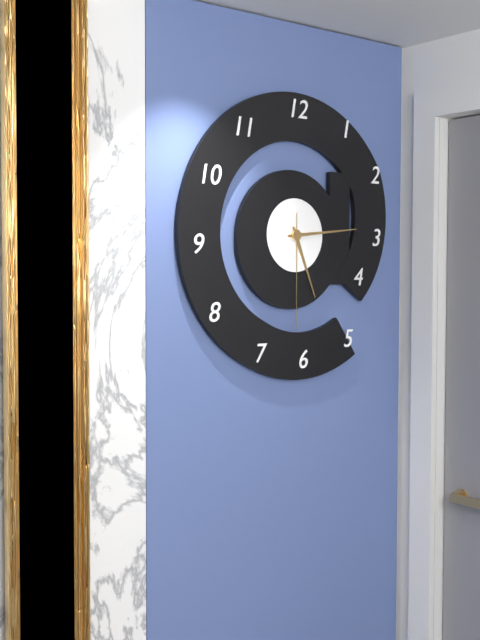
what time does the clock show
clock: 5:14:30
